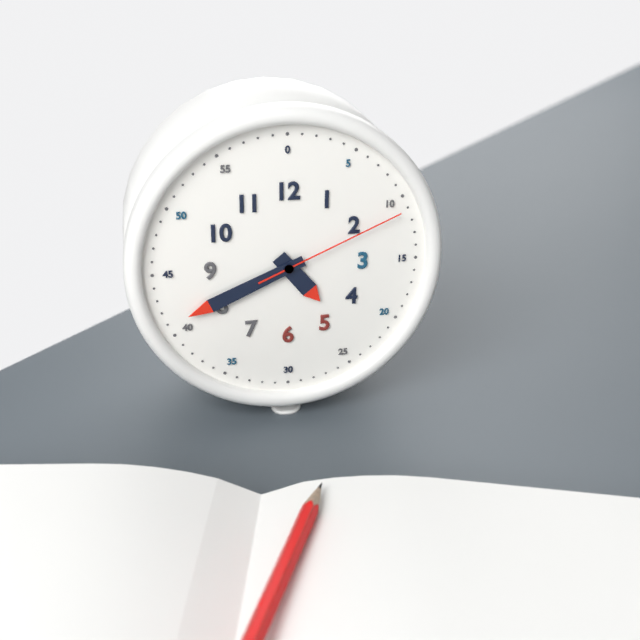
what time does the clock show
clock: 4:41:11
